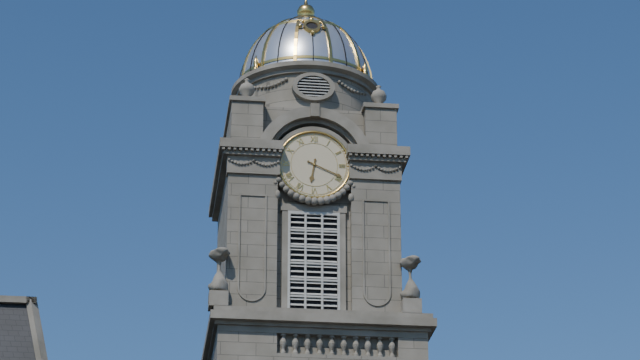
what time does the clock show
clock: 6:19
